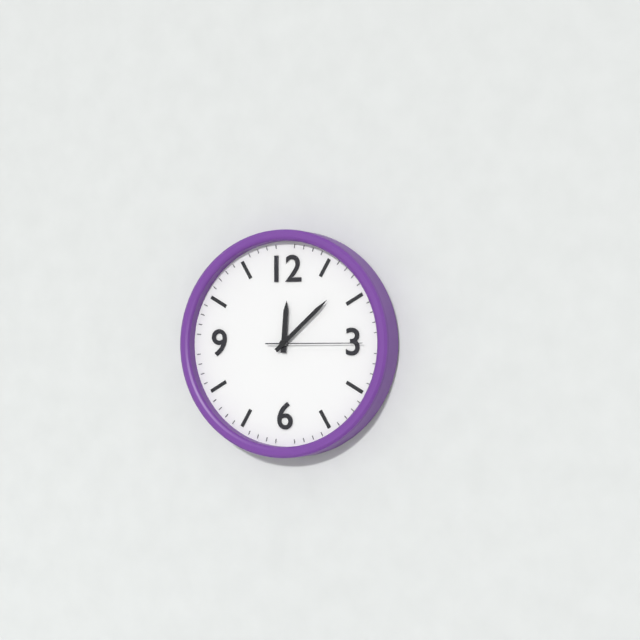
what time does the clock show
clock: 12:08:15
